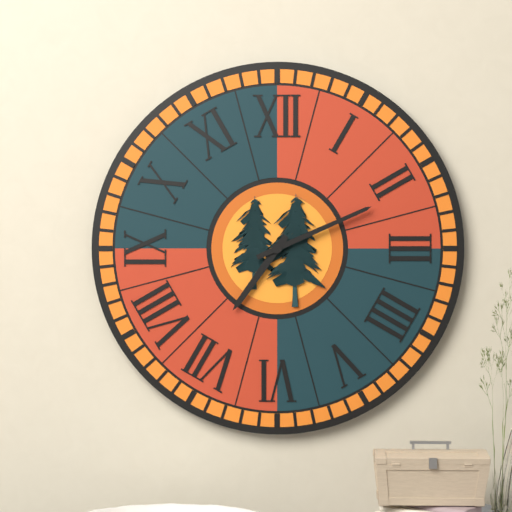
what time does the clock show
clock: 7:11
